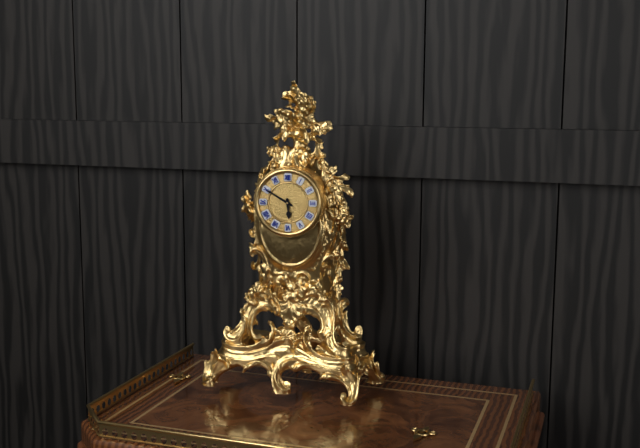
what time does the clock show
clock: 5:50
